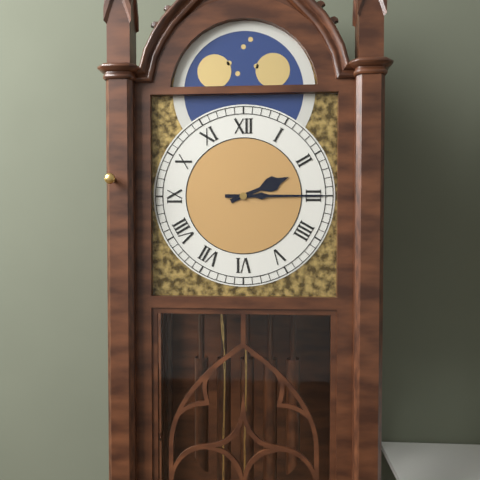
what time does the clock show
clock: 2:15
